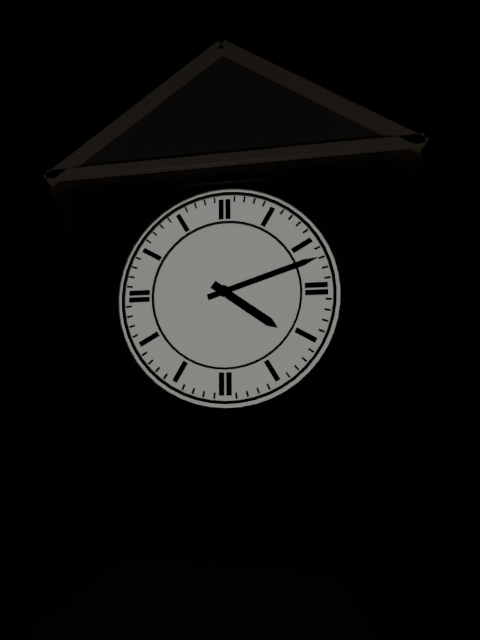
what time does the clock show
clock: 4:12
